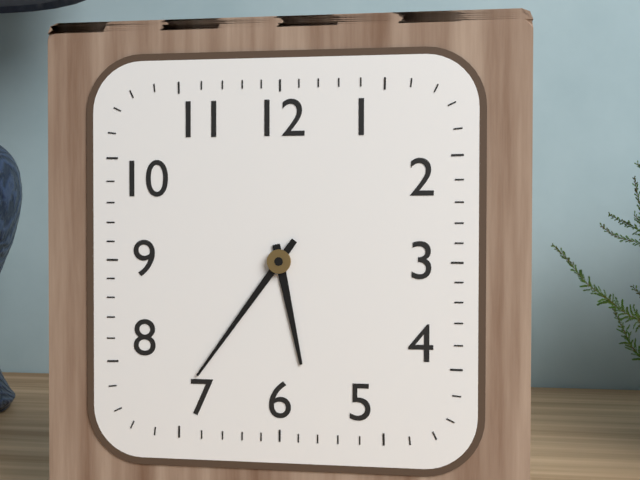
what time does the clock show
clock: 5:36
